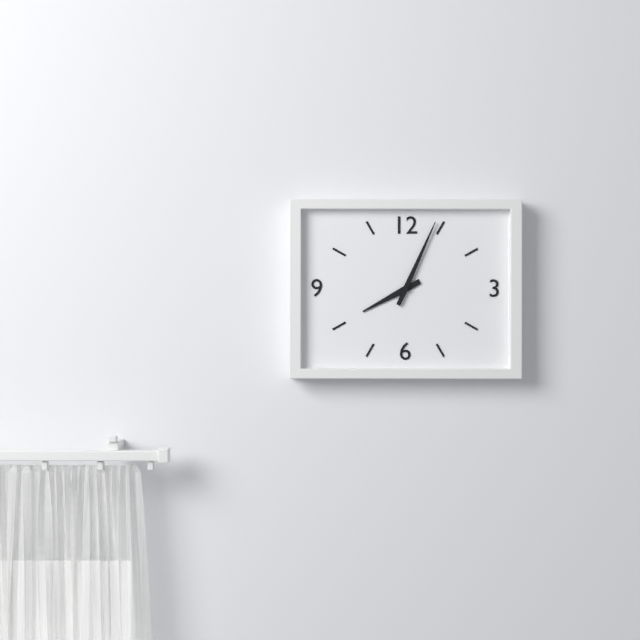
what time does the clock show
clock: 8:04
